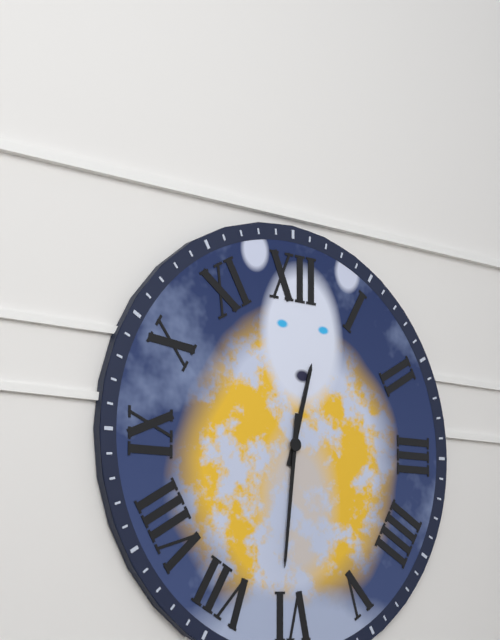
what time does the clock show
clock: 12:31
